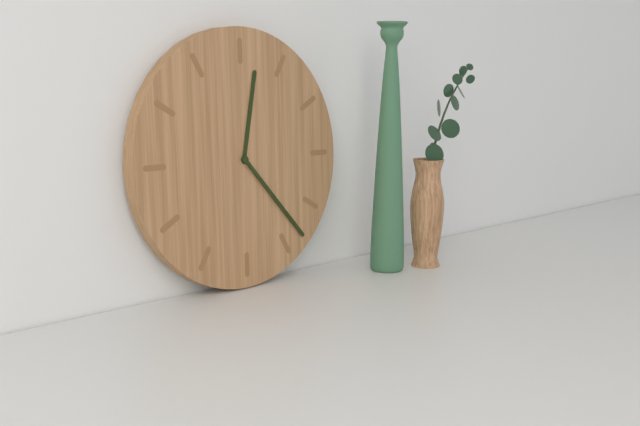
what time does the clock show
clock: 12:23
